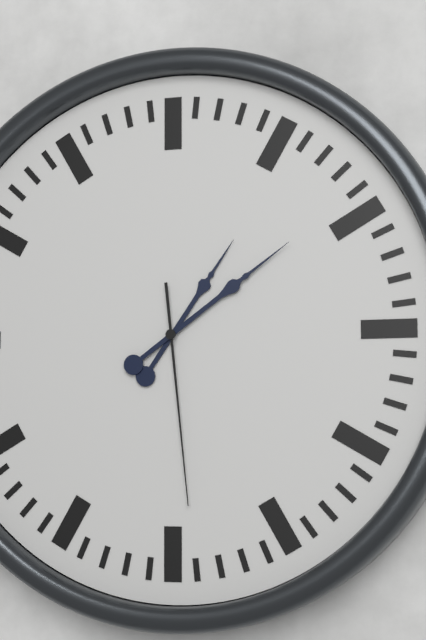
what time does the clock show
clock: 1:09:29
